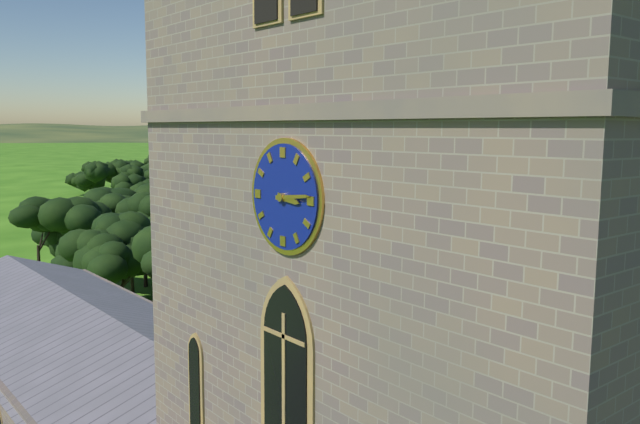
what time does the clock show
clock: 3:14
